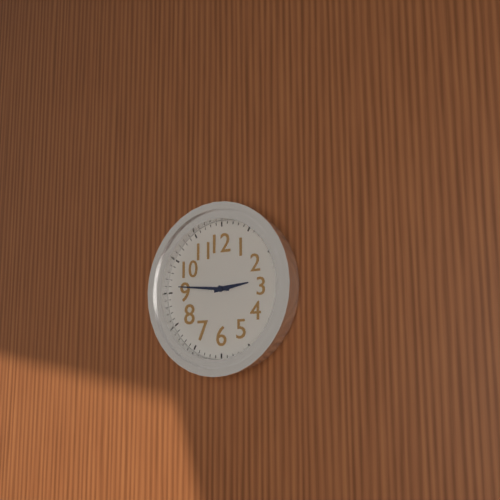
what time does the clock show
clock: 2:46
